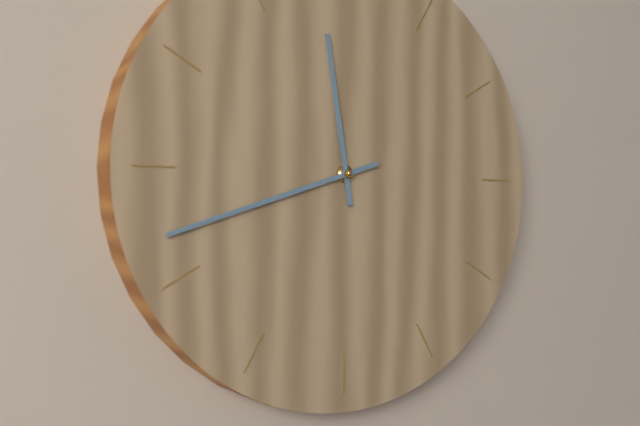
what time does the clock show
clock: 11:42
